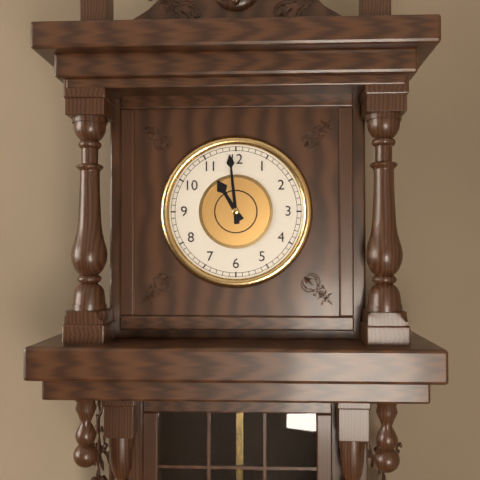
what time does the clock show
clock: 10:59
